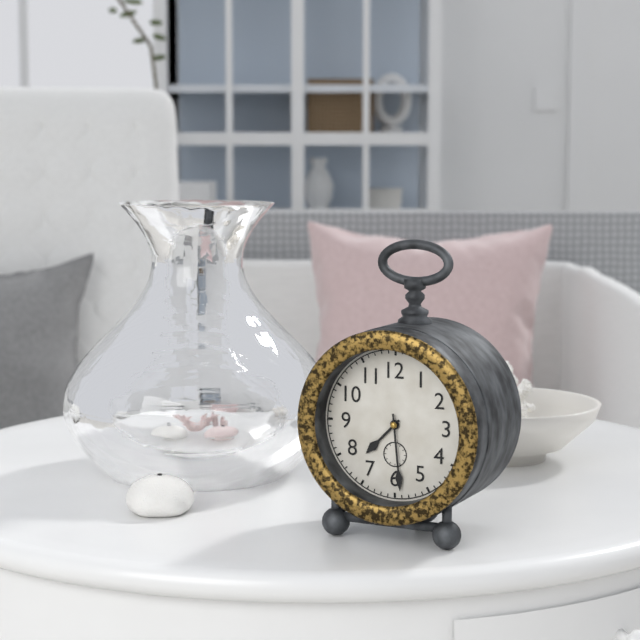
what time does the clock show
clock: 7:29
